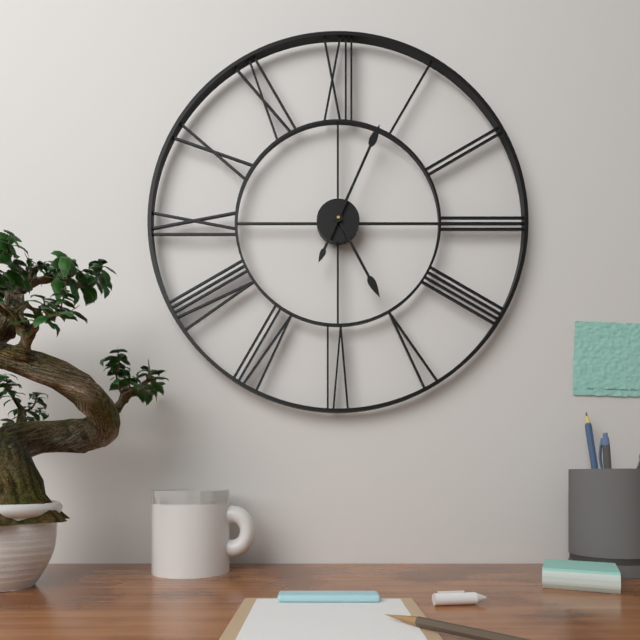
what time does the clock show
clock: 5:04
